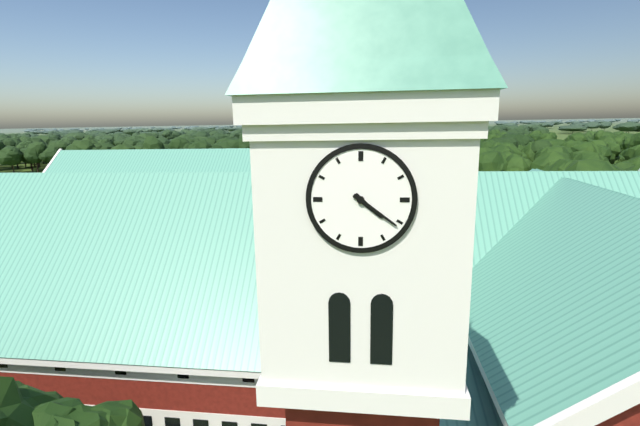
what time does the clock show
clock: 4:21
